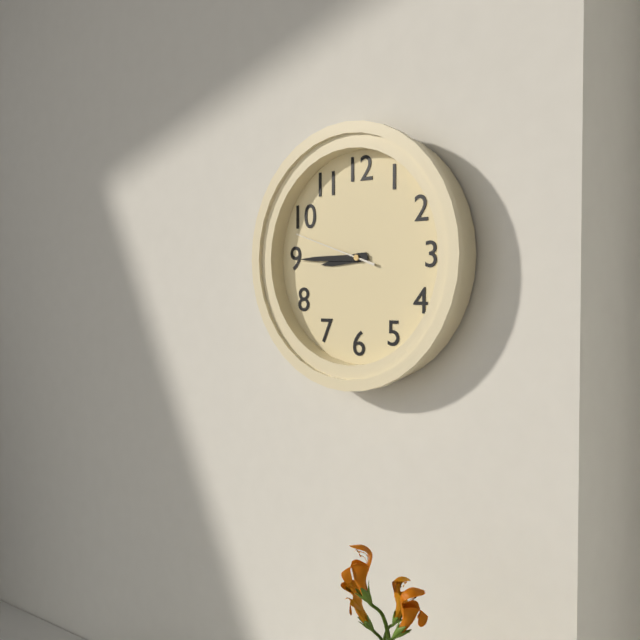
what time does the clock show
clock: 8:45:48
